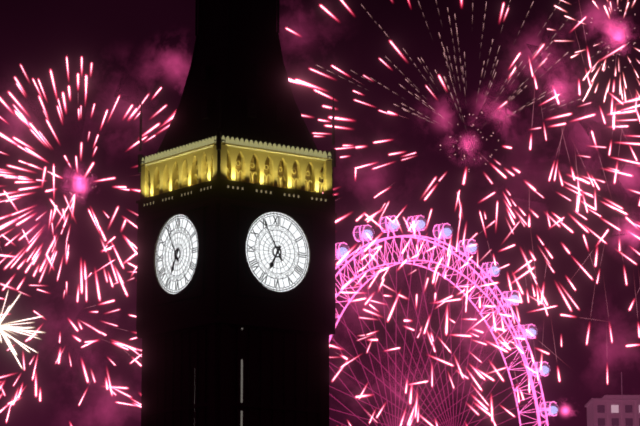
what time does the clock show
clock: 6:55
